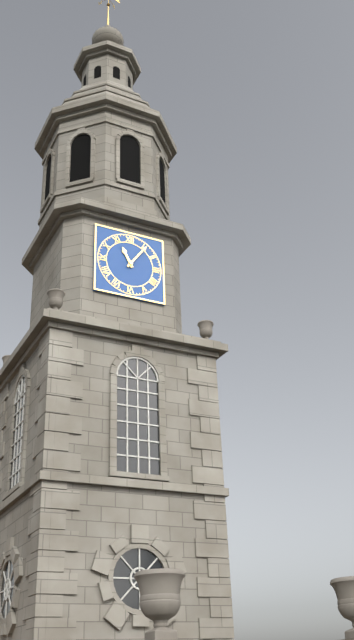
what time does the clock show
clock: 11:06
